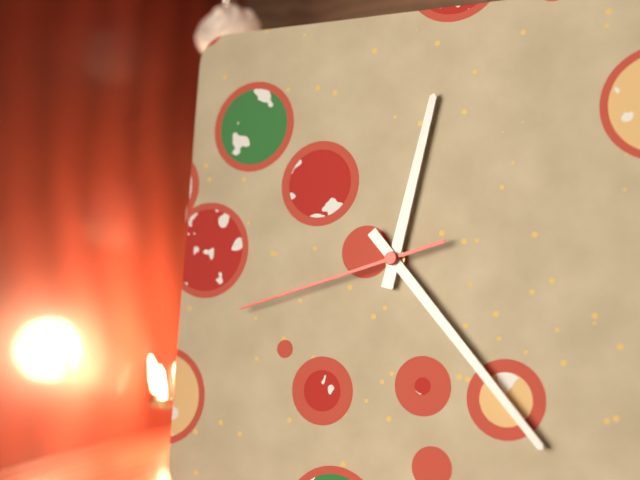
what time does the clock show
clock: 12:23:42
